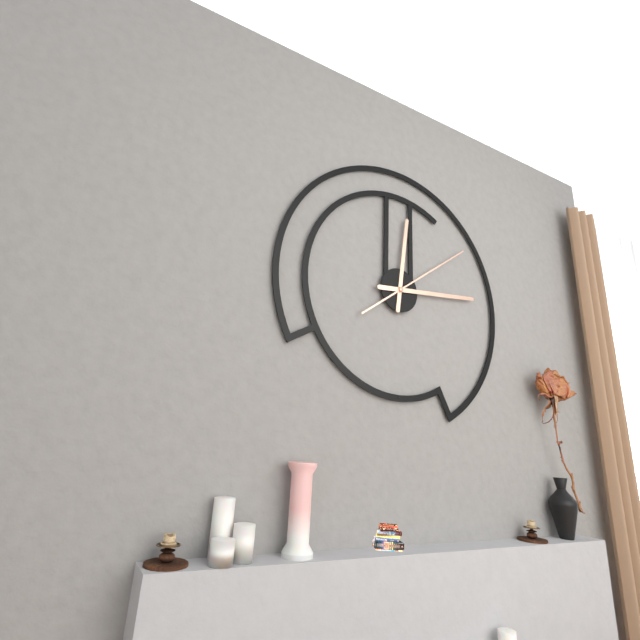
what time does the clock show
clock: 12:14:09
